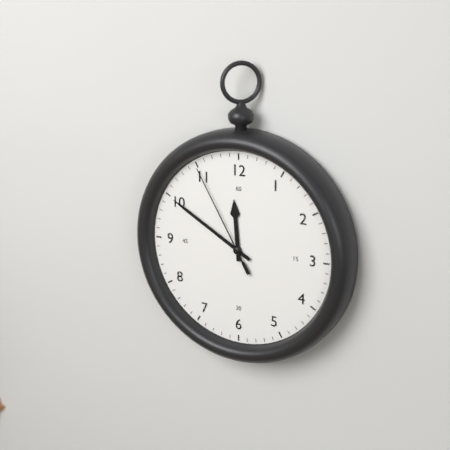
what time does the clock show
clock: 11:50:55
